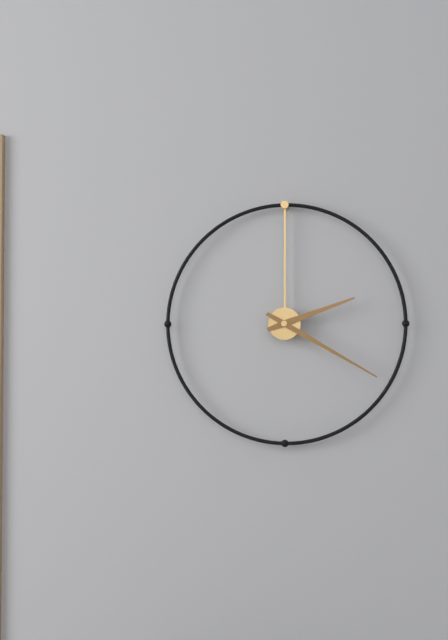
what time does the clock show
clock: 2:20
